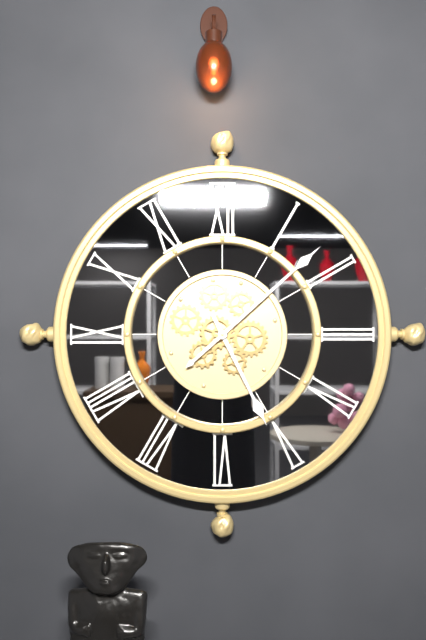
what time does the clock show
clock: 5:08
